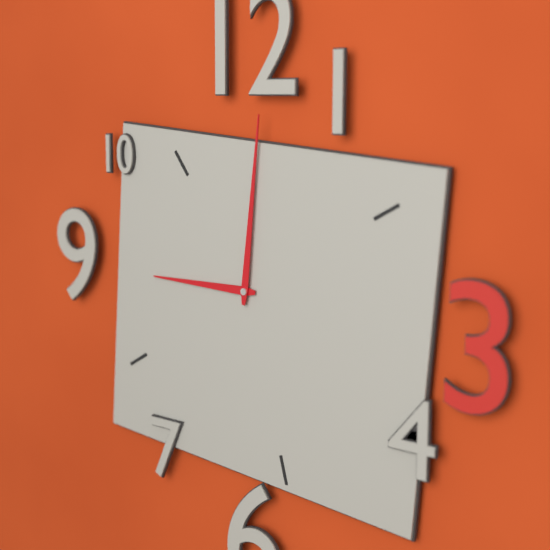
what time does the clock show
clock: 9:01
